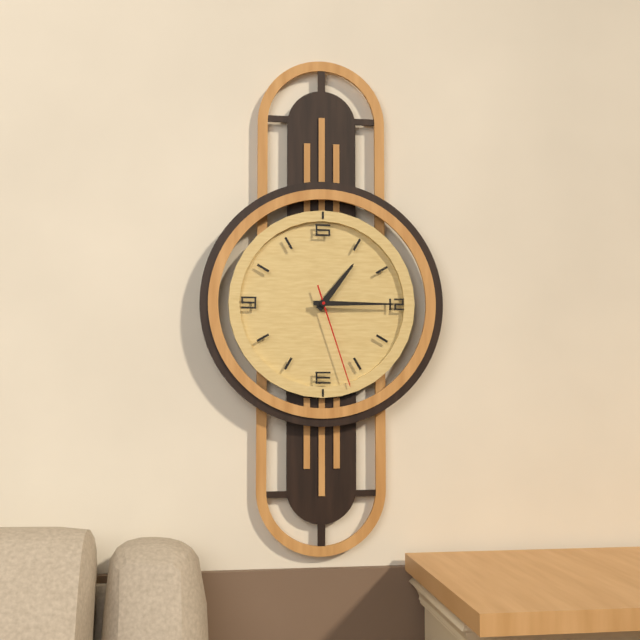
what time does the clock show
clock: 1:15:27
